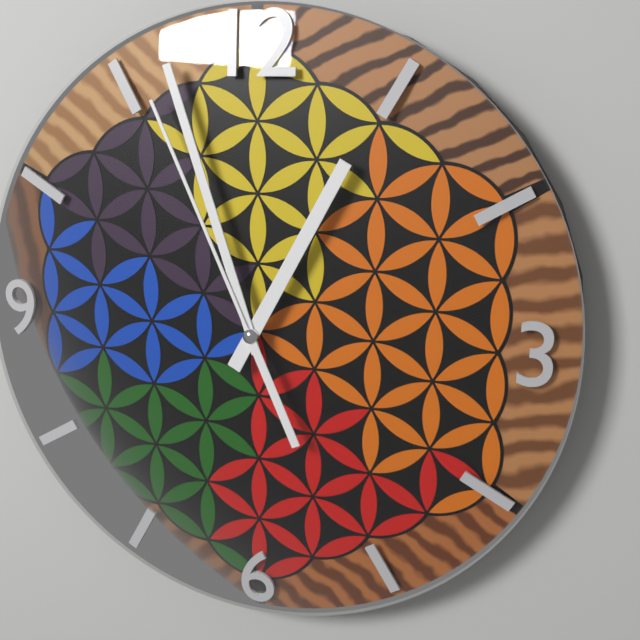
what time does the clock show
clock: 12:57:56
